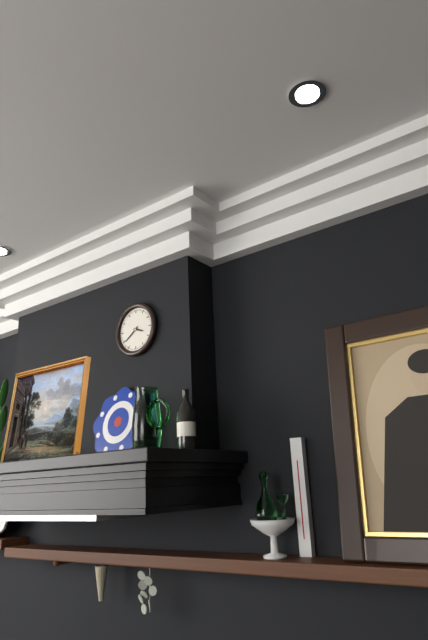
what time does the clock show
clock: 3:39
